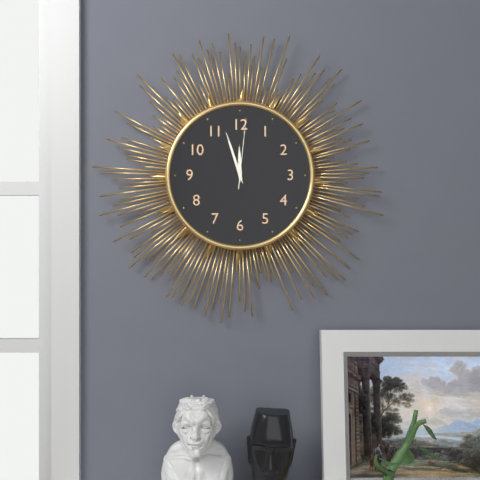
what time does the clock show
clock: 11:57:01
